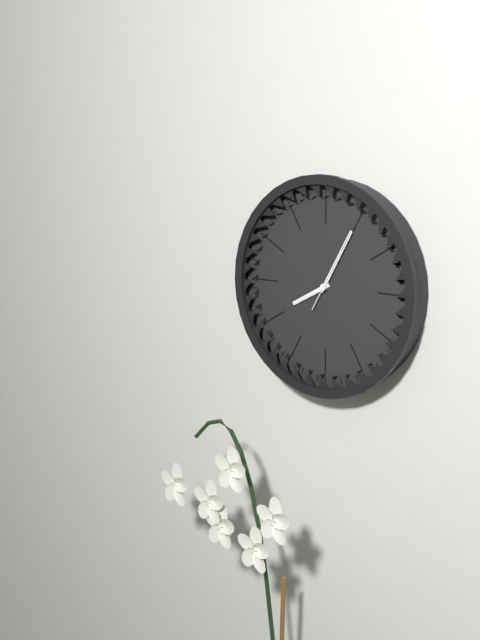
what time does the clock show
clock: 8:05:05
